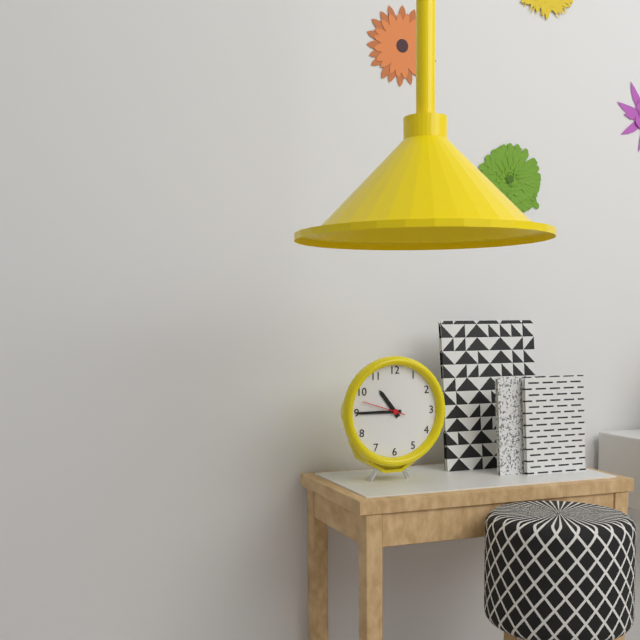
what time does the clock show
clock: 10:45
